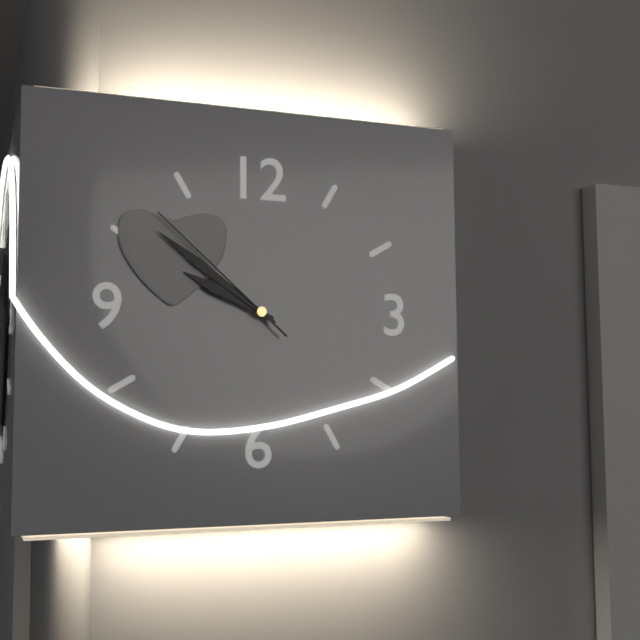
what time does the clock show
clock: 9:51:52
